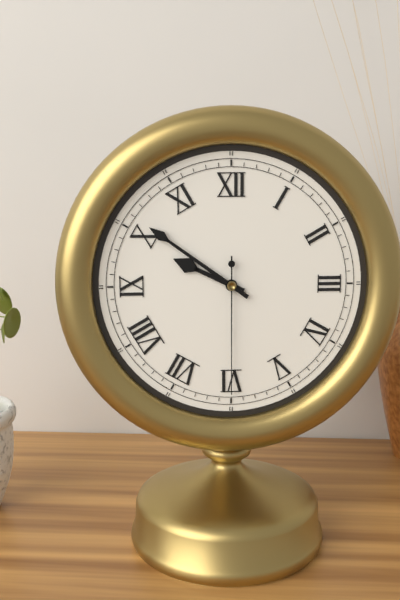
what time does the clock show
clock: 9:51:30
